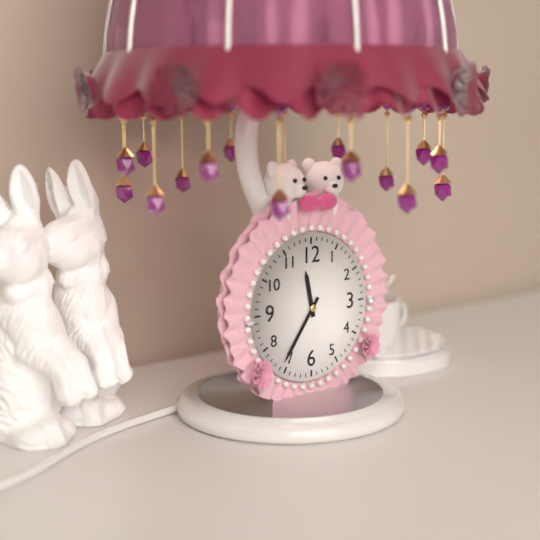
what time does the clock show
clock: 11:36
